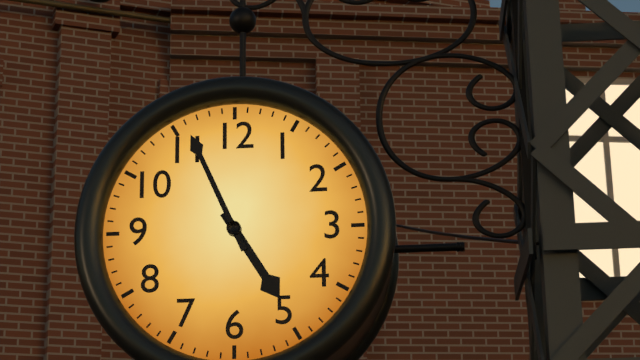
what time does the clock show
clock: 4:56
